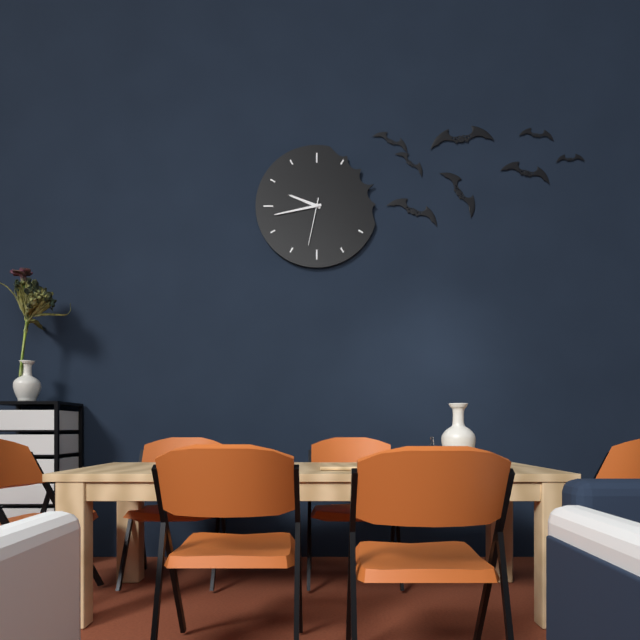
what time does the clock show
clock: 9:43:32
